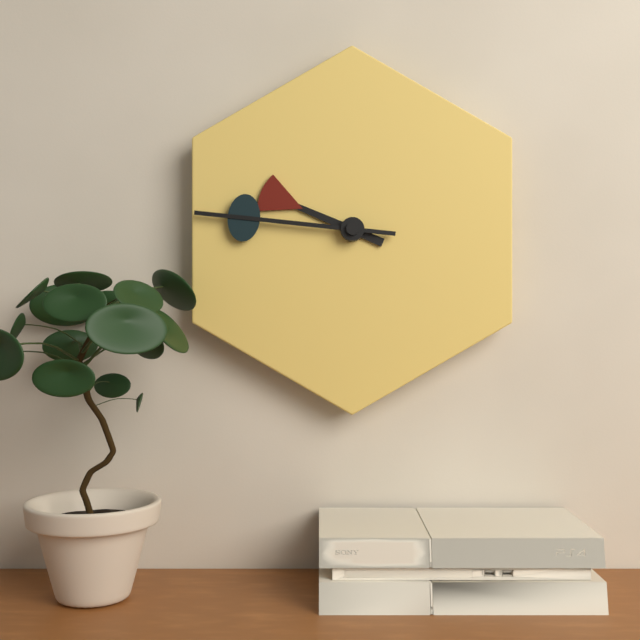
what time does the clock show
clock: 9:46
